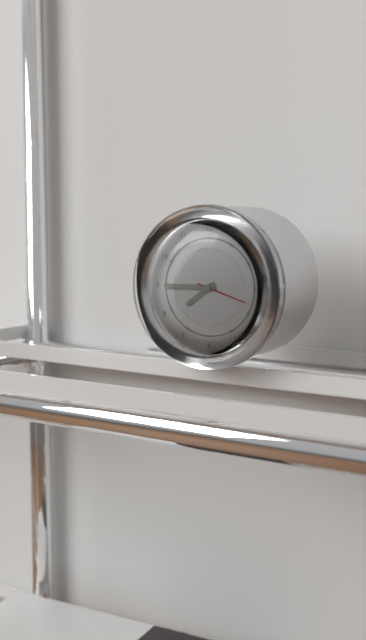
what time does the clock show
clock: 7:45:18
